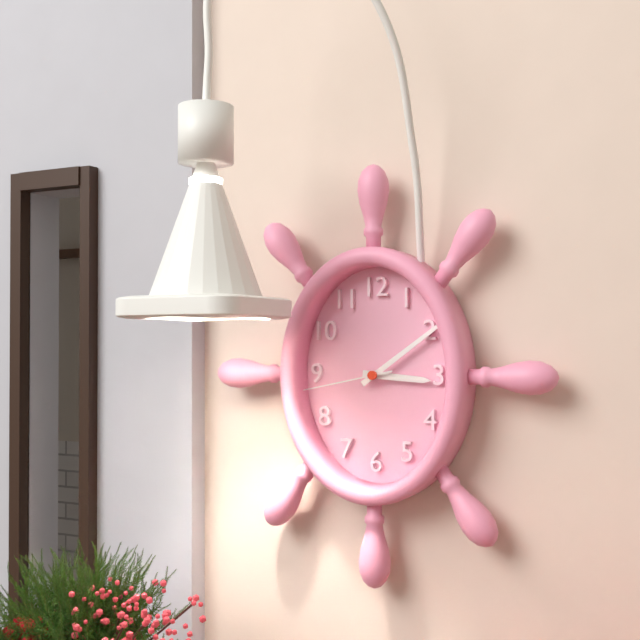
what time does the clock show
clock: 3:09:43
